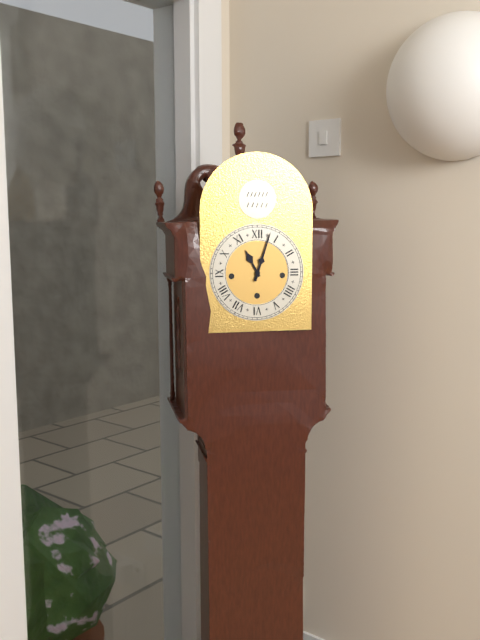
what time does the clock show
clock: 11:03
